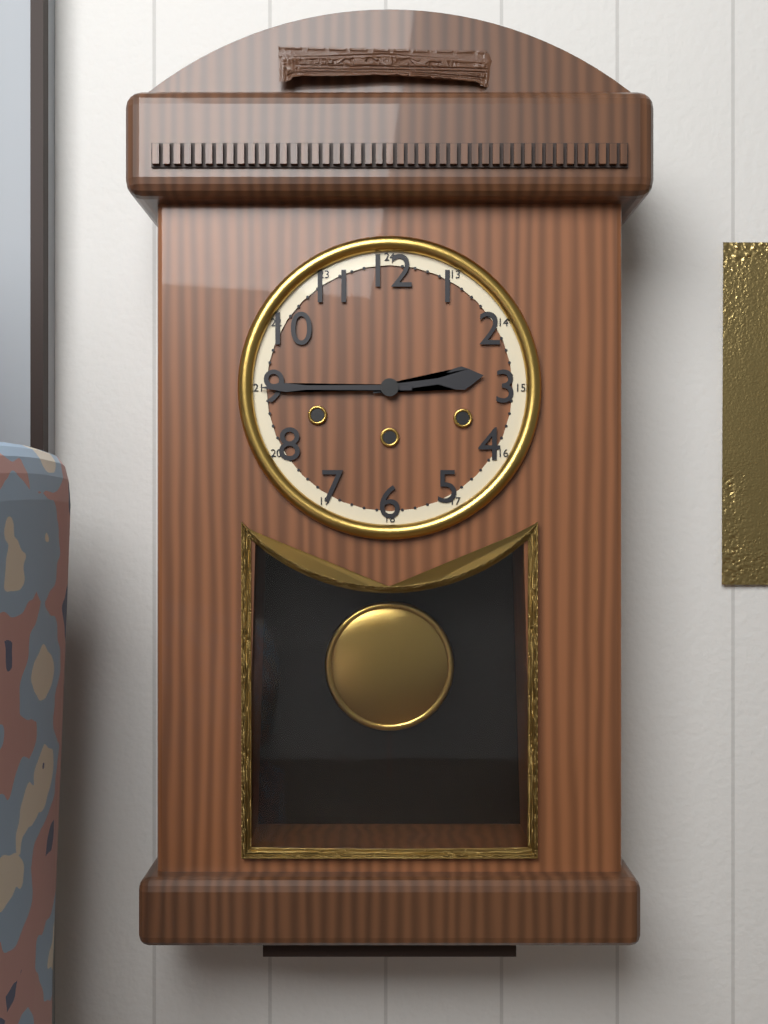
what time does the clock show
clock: 2:45
